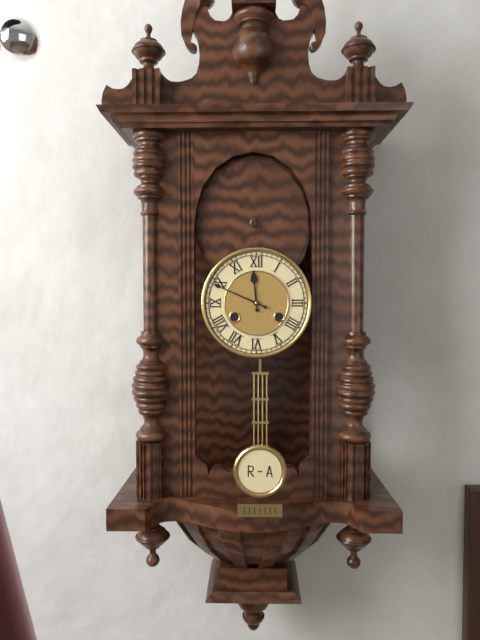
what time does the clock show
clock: 11:49
